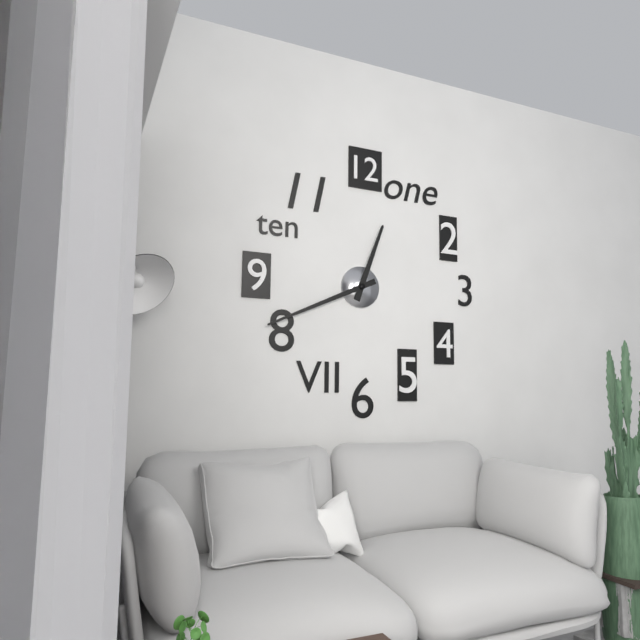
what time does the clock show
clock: 12:41
